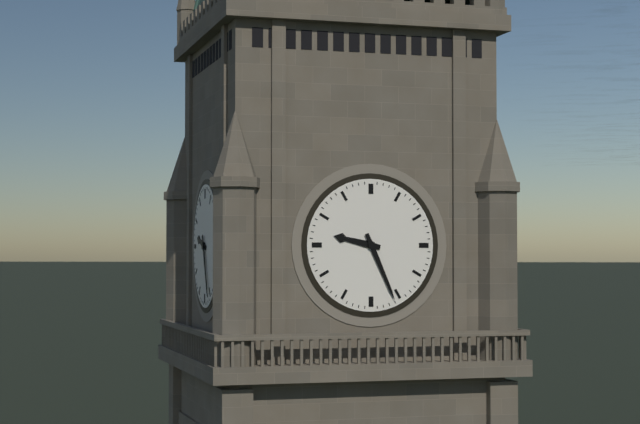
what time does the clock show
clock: 9:26
